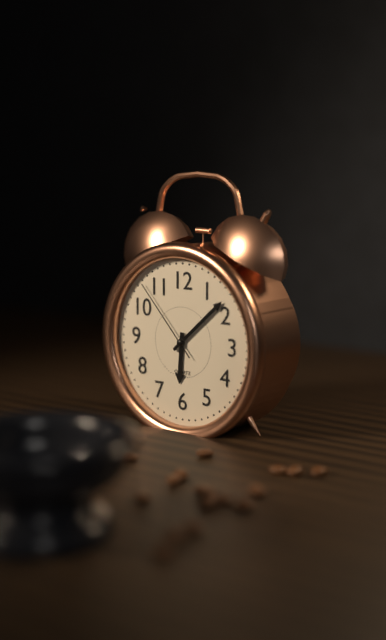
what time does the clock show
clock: 6:08:53
